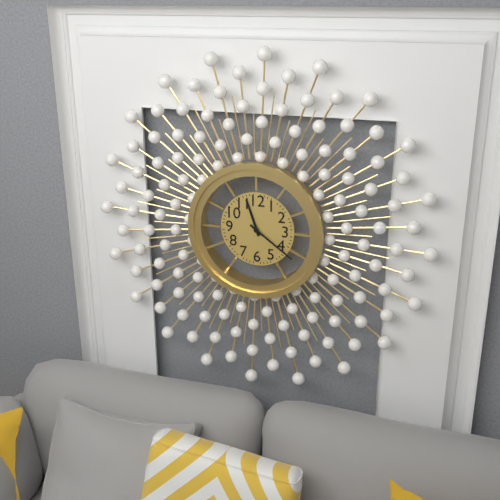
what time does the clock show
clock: 11:21
